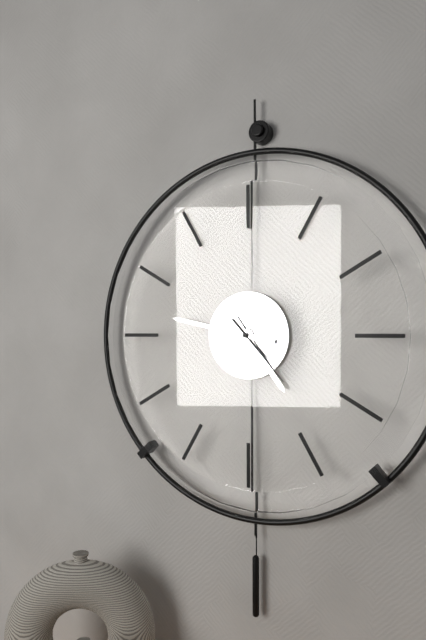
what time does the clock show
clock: 4:47:23
